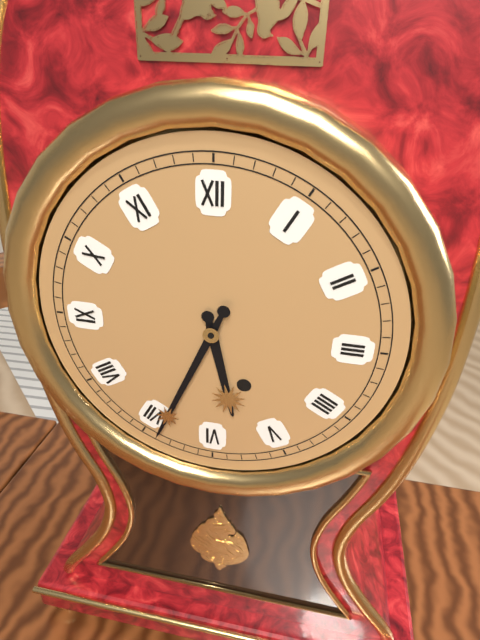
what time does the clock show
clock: 5:34
